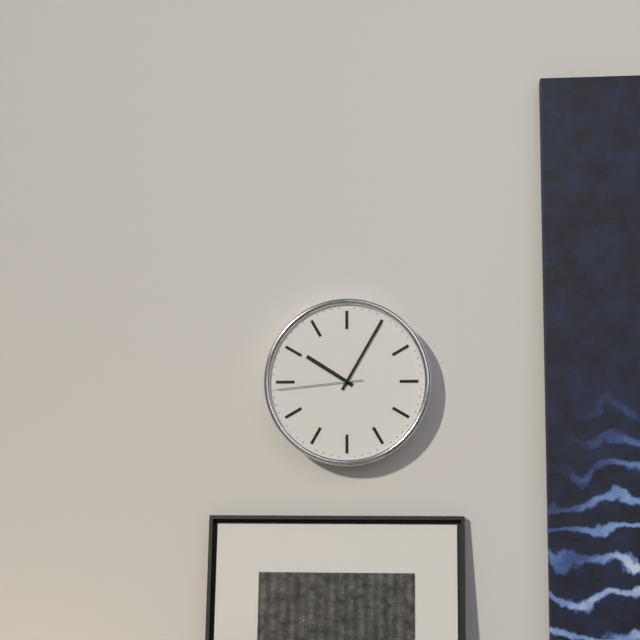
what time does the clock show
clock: 10:05:44
